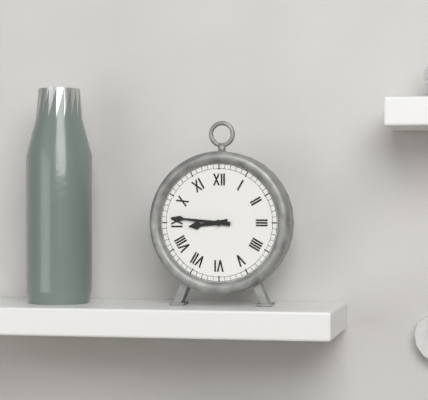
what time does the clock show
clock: 8:46
